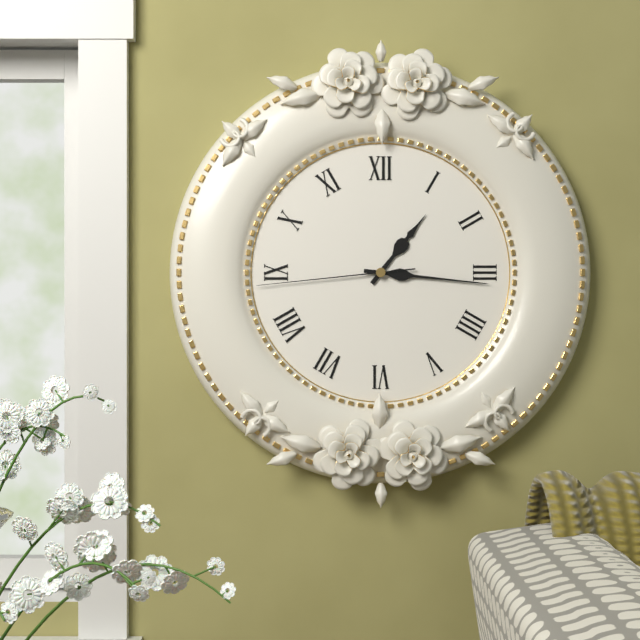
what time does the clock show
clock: 1:16:44
